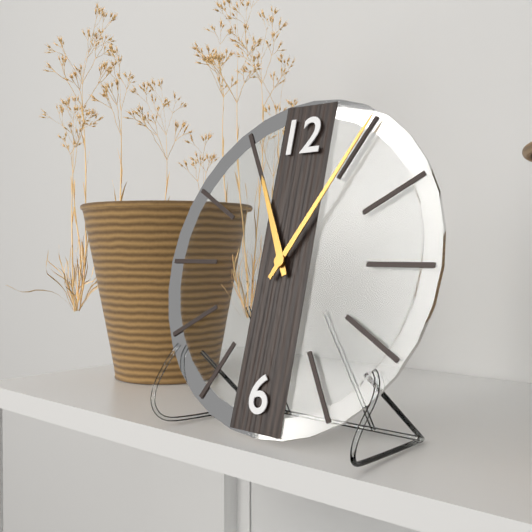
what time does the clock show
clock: 11:05
